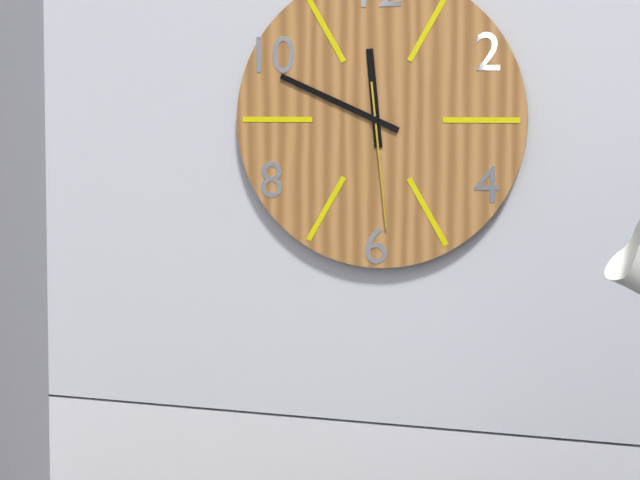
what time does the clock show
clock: 11:49:29
